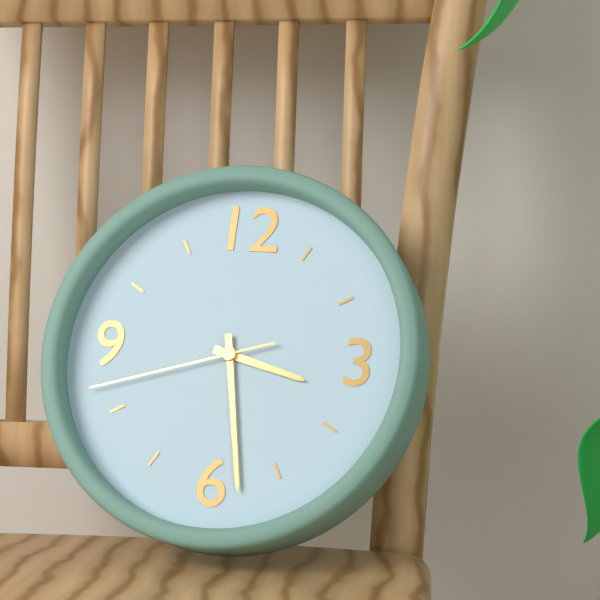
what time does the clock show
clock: 3:28:42
